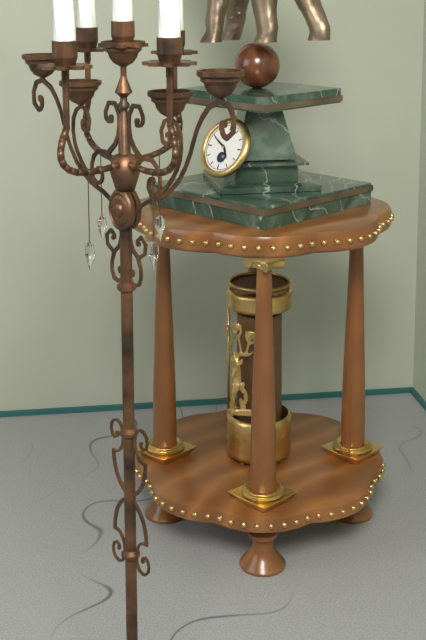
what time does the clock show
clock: 4:50
